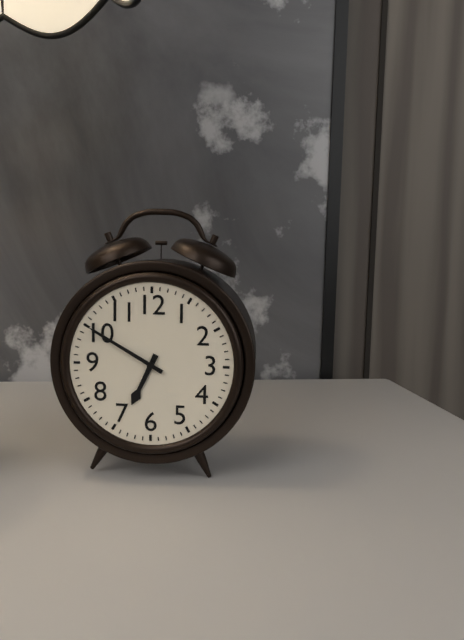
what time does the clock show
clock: 6:50
